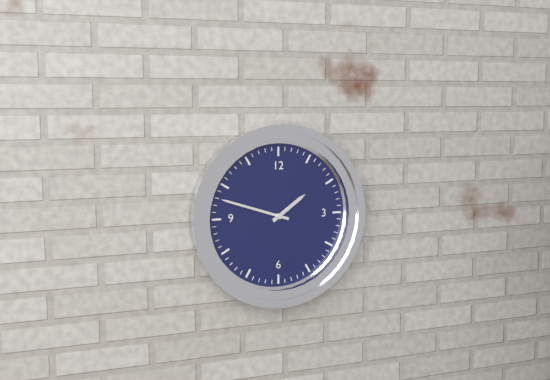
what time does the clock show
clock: 1:48
